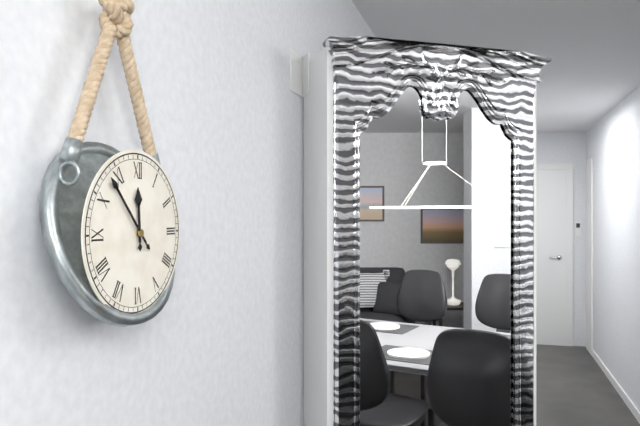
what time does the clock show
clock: 11:53
